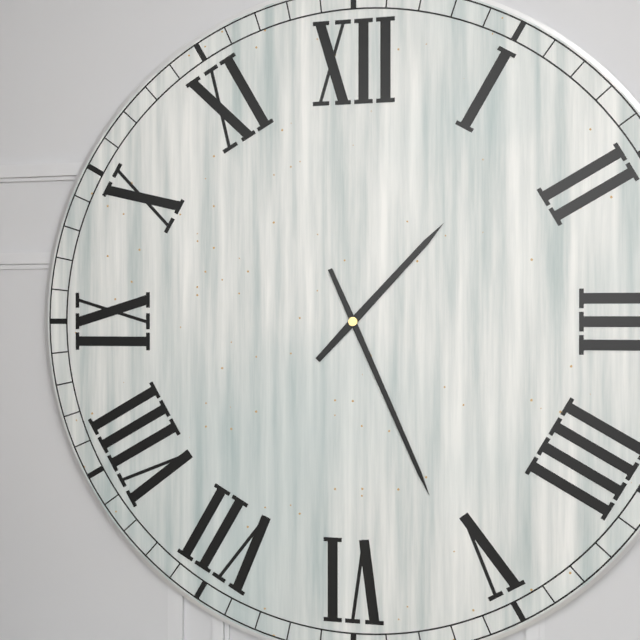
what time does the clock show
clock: 1:26
